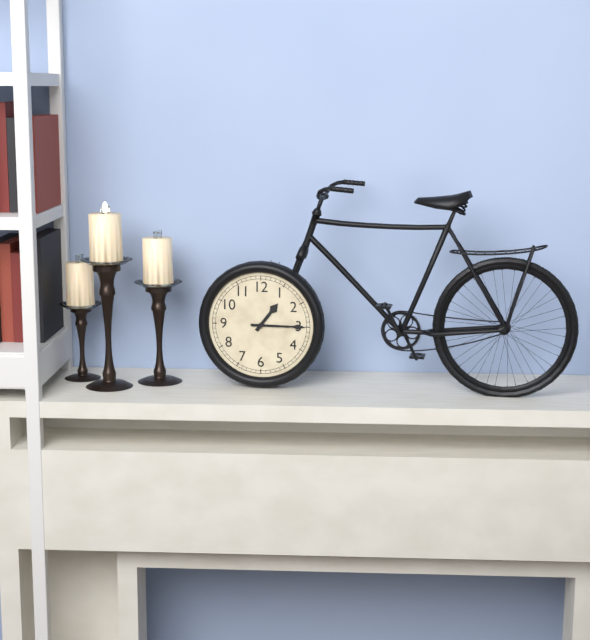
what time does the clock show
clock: 1:15
